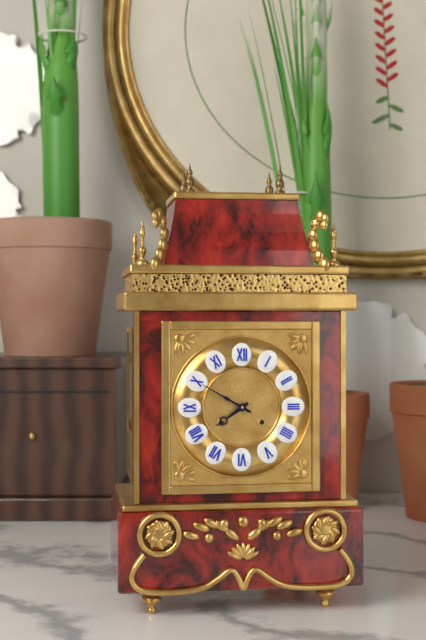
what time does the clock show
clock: 7:50
